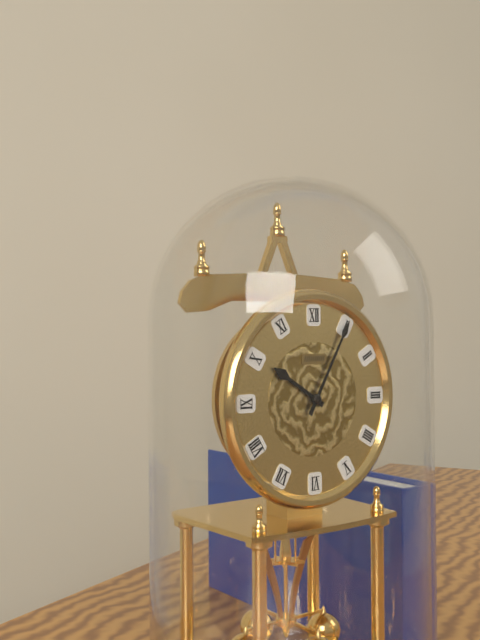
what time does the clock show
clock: 10:05
